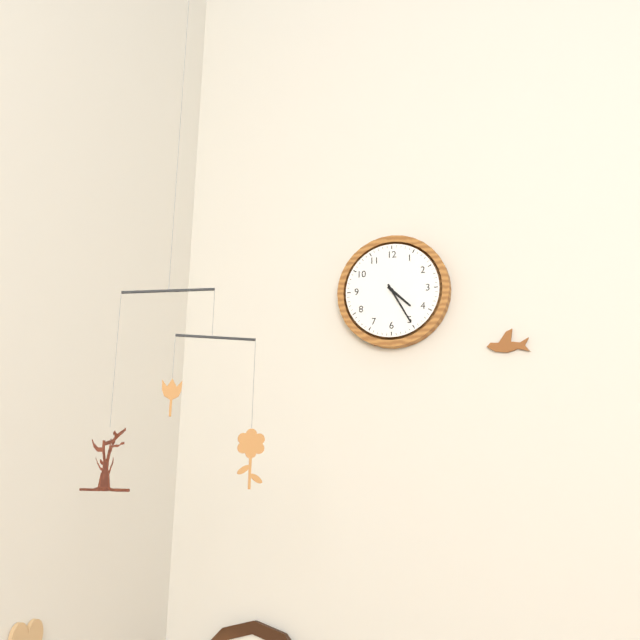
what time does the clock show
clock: 4:25
